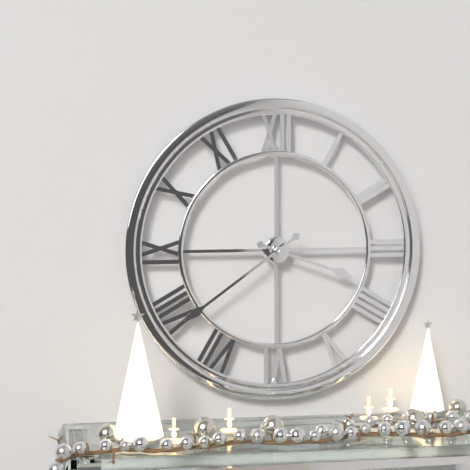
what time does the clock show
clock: 3:39
